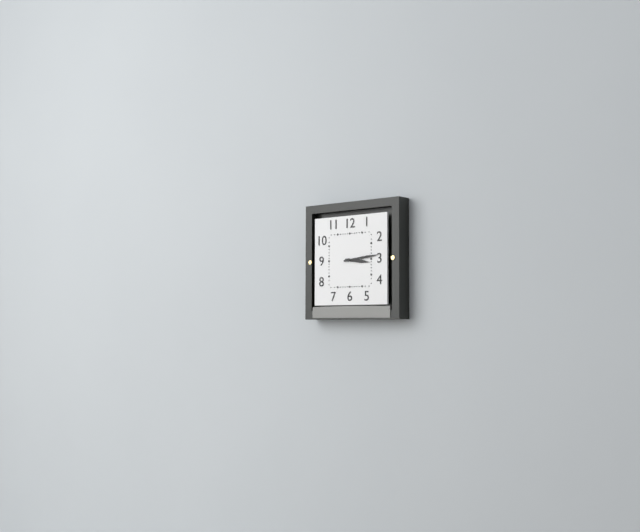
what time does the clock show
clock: 3:14
